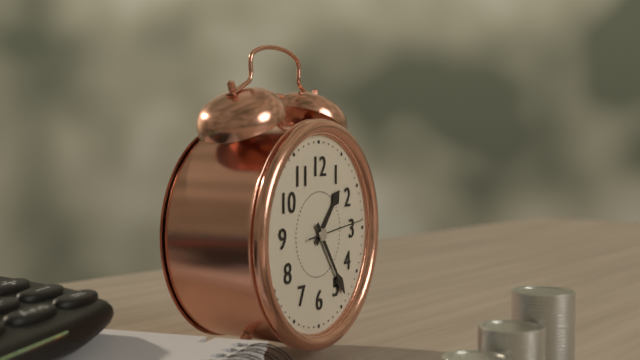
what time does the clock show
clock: 1:24:14
